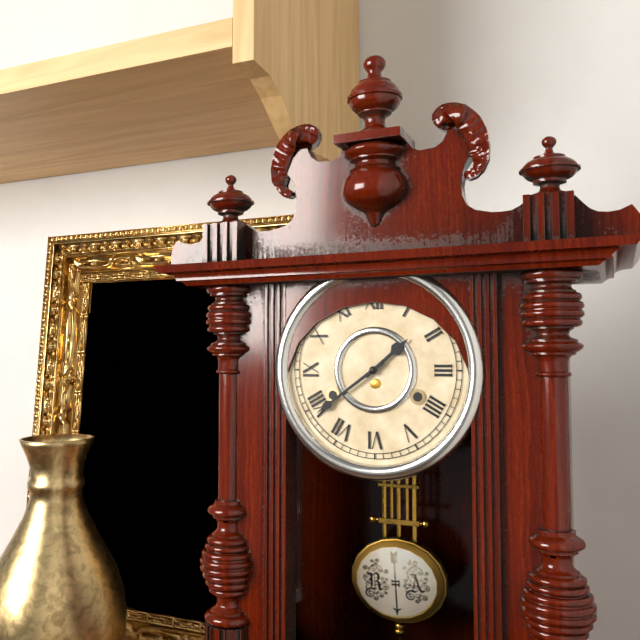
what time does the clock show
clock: 1:39
